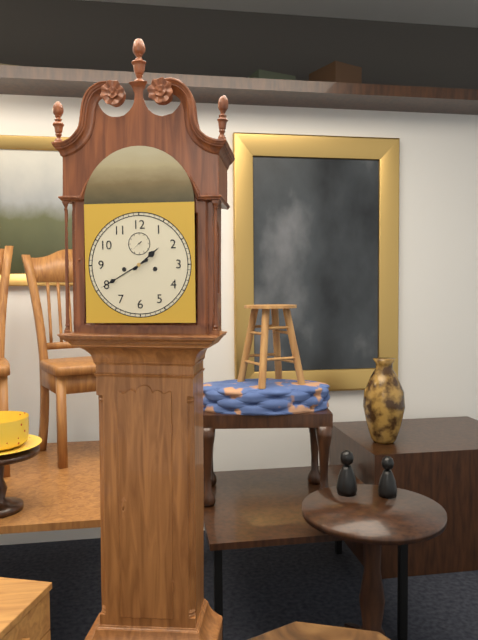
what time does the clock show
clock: 1:40
